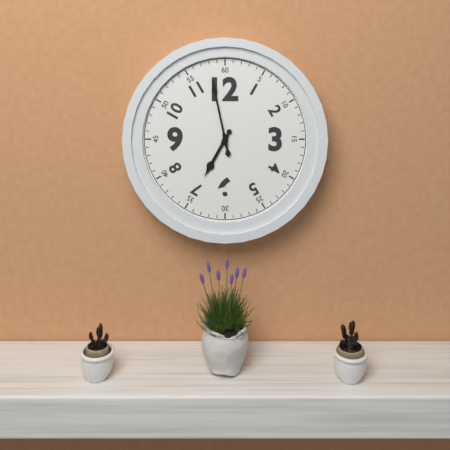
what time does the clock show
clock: 6:58
